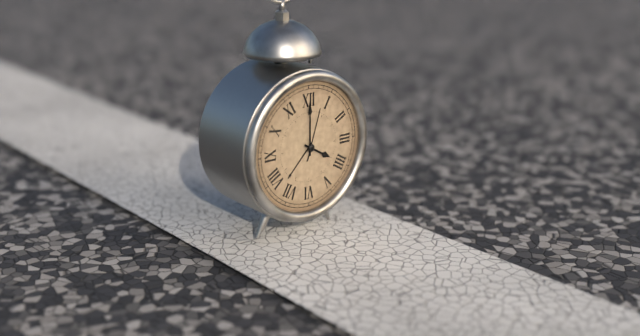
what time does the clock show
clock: 4:00:03
